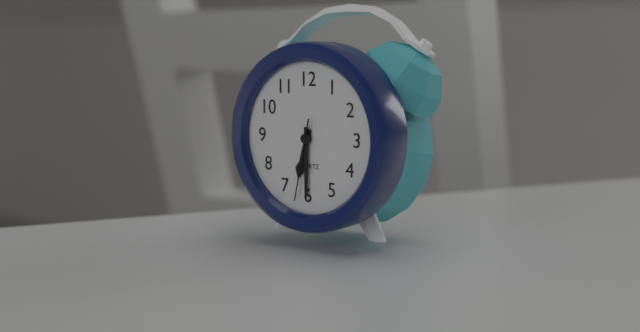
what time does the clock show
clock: 6:30:32
